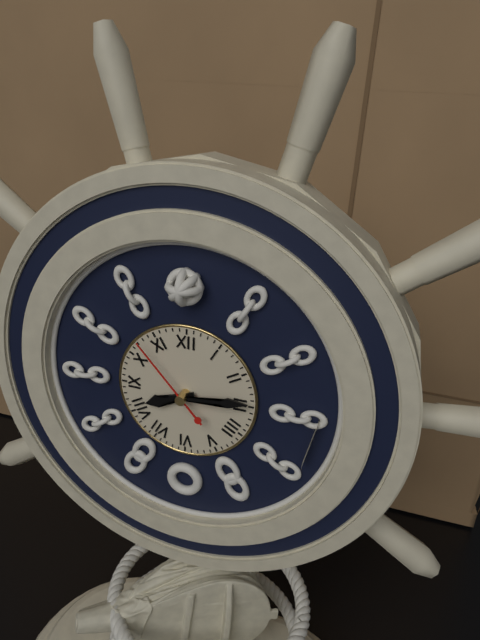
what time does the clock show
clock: 8:14:53
